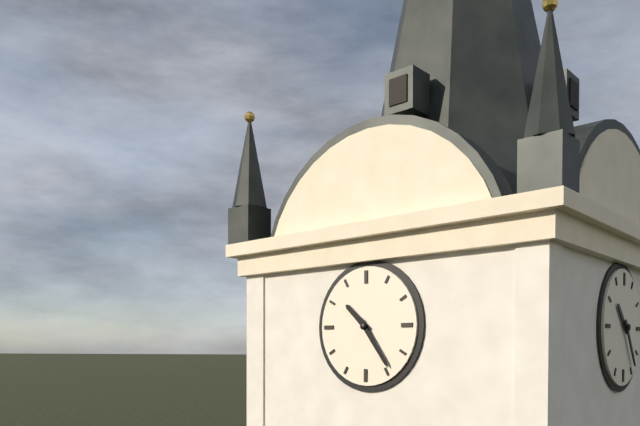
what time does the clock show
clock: 10:24
